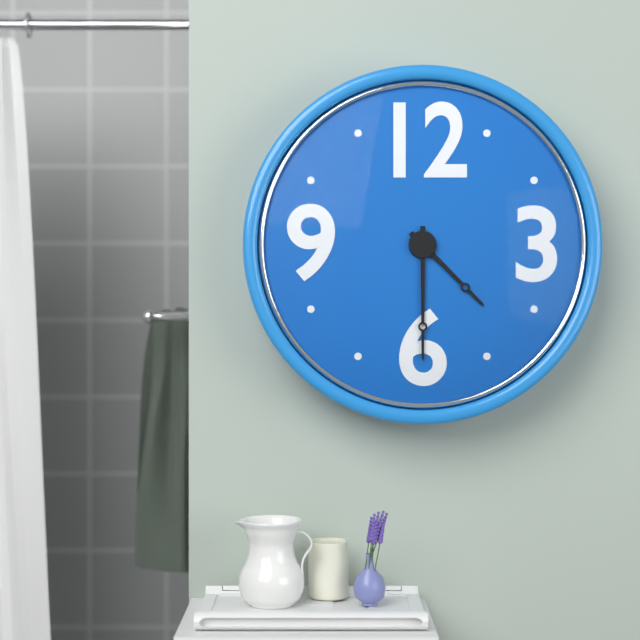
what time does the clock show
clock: 4:30
